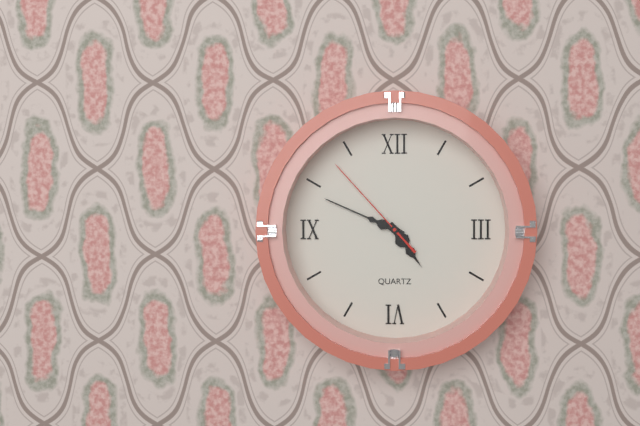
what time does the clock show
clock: 4:49:53
